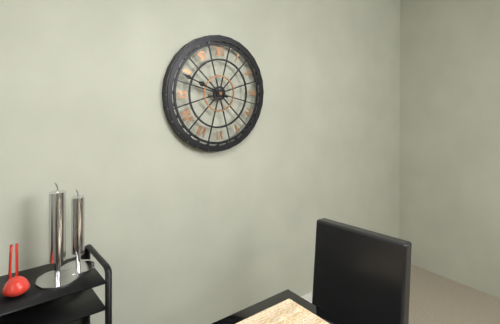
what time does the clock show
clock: 9:49
